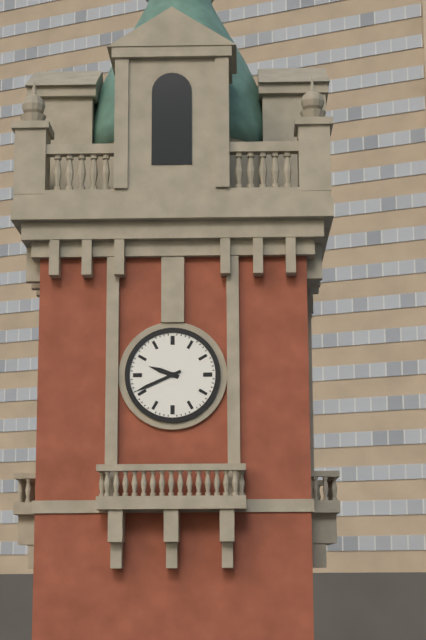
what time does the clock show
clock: 9:41
